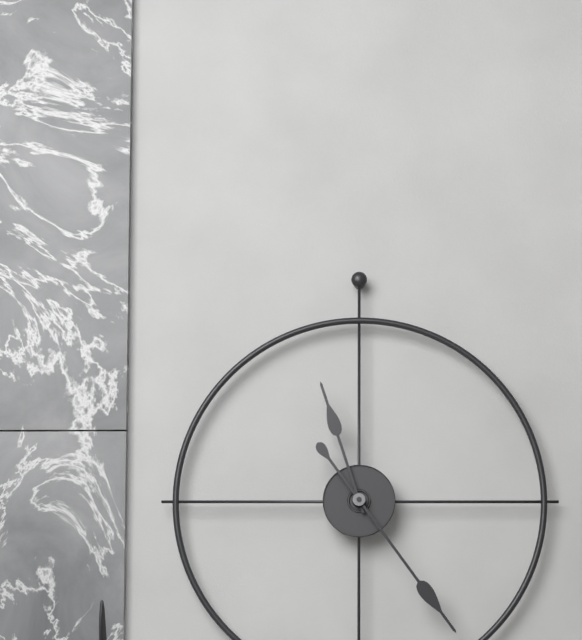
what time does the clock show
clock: 11:24
